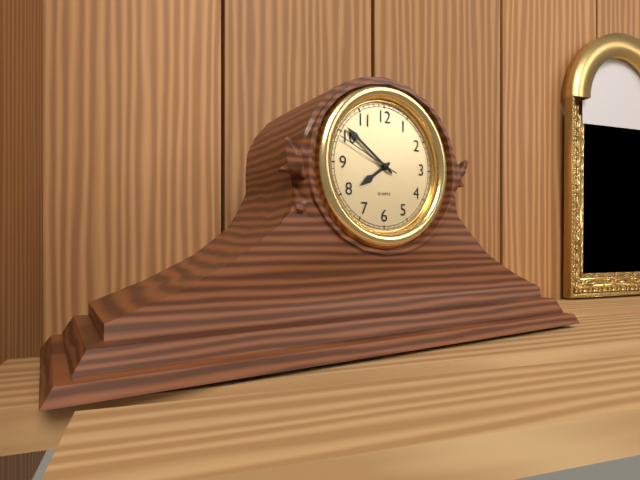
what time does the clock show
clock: 7:51:49
